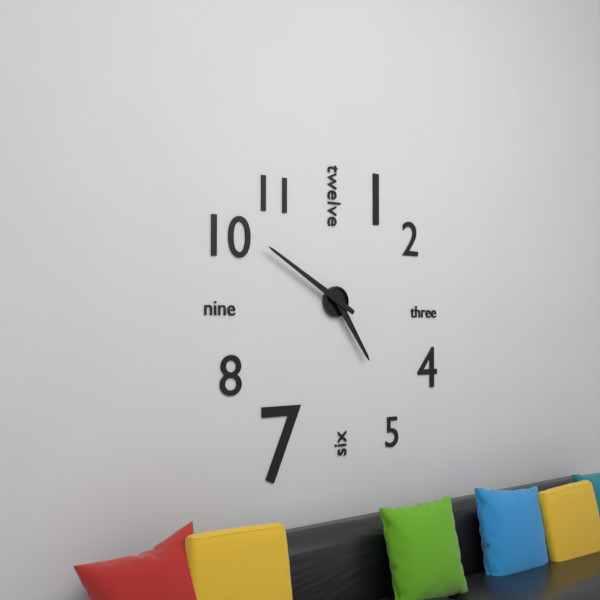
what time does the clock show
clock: 4:50
